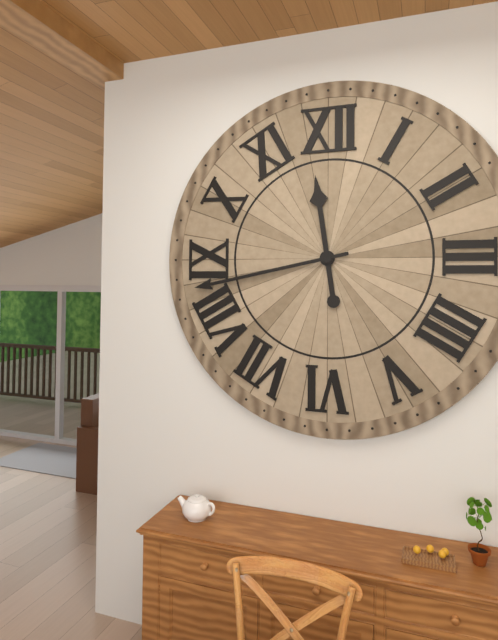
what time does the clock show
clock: 11:43
